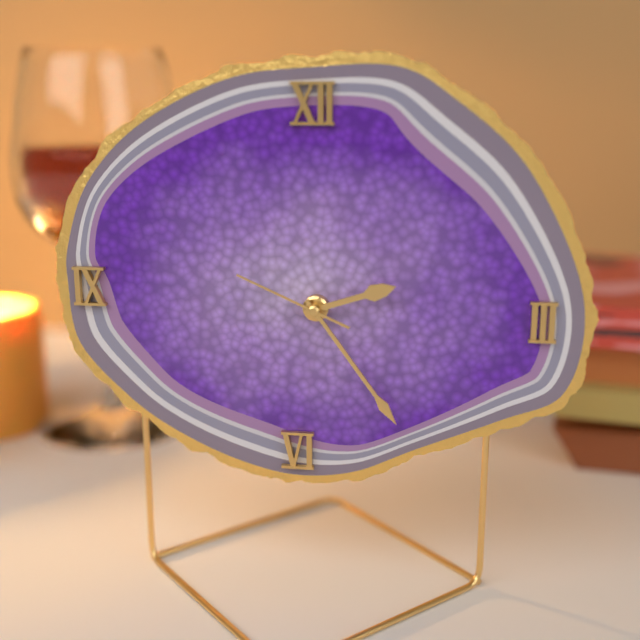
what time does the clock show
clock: 2:24:49
